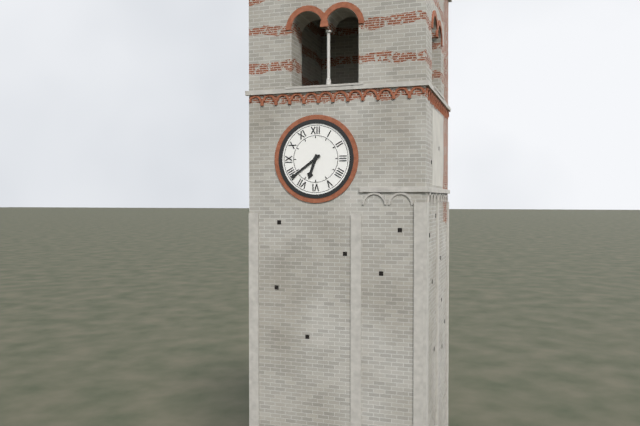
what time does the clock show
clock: 6:39
